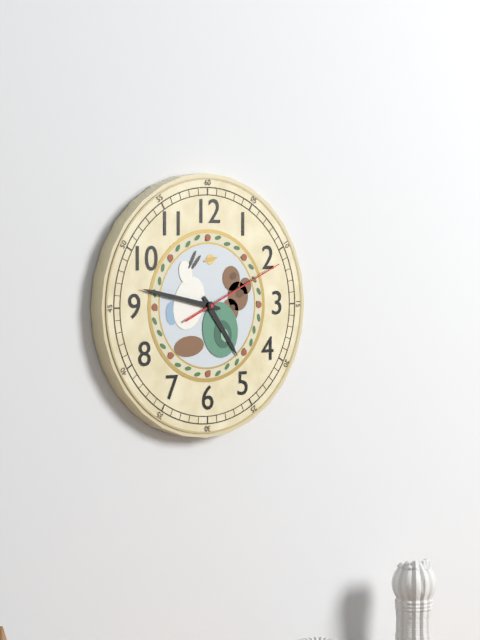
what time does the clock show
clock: 4:47:11
